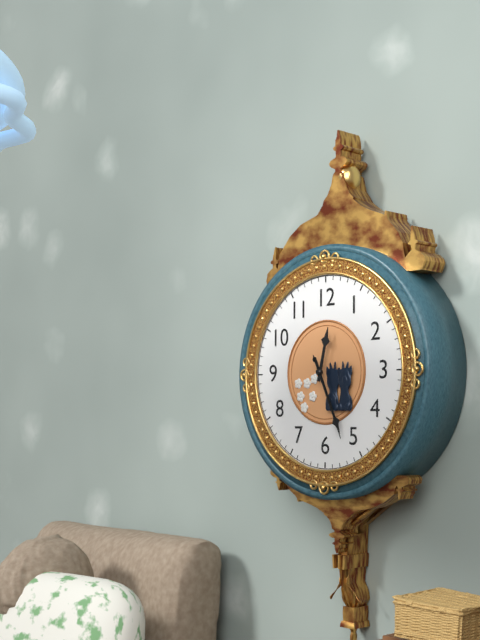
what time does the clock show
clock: 12:26:26
